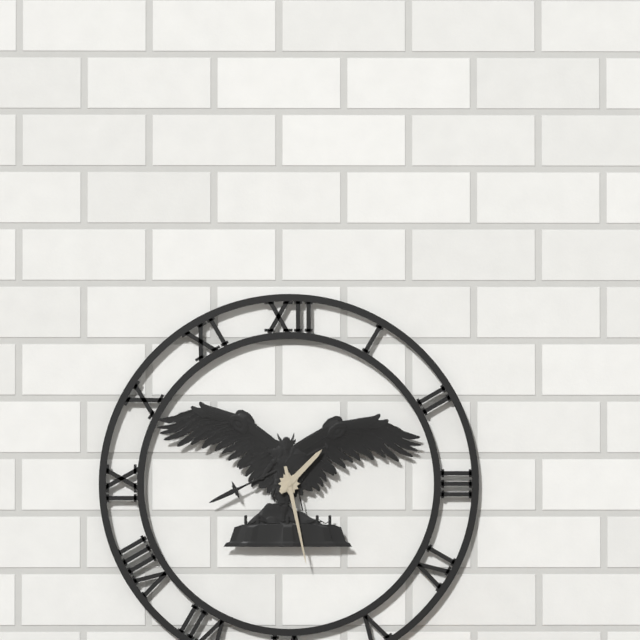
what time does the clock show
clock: 1:28
